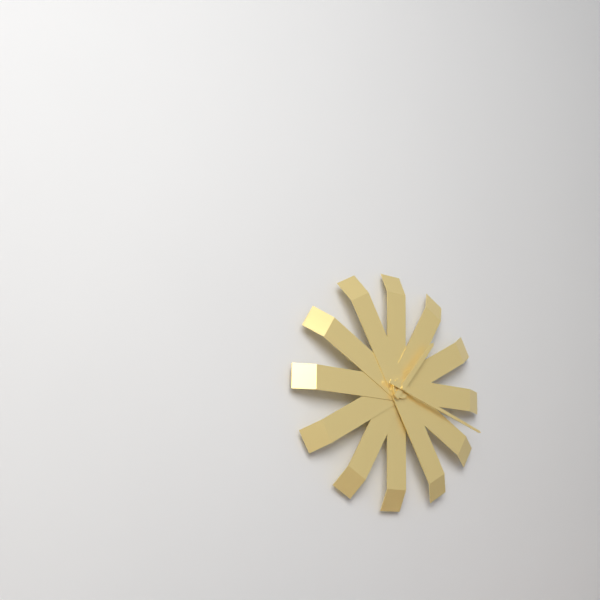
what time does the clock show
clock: 1:18
